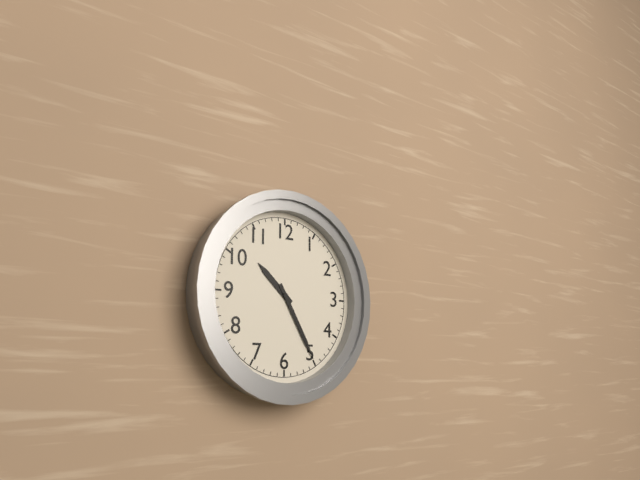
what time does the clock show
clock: 10:25
